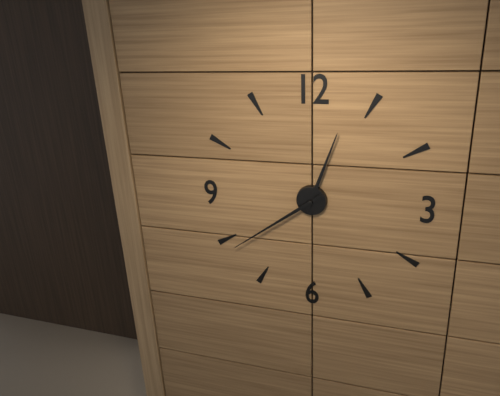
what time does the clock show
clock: 12:39
